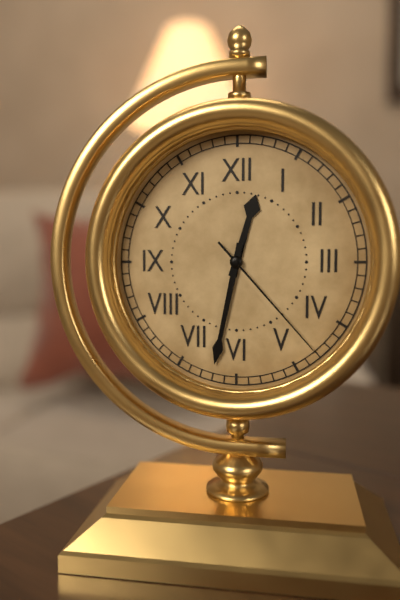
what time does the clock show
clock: 12:32:23
